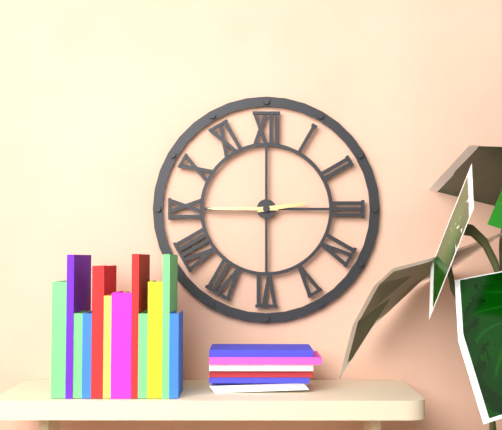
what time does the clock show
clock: 2:45
